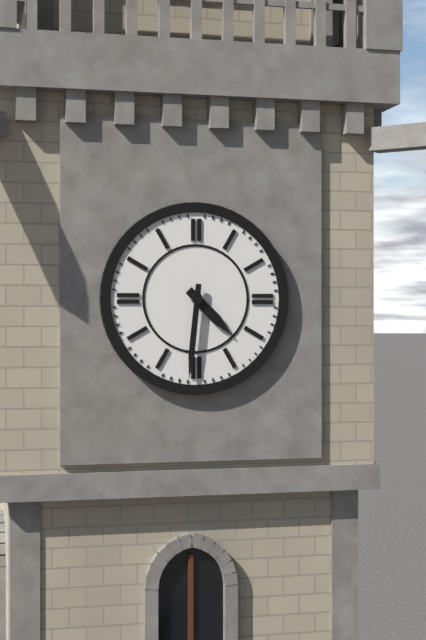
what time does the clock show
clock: 4:31
